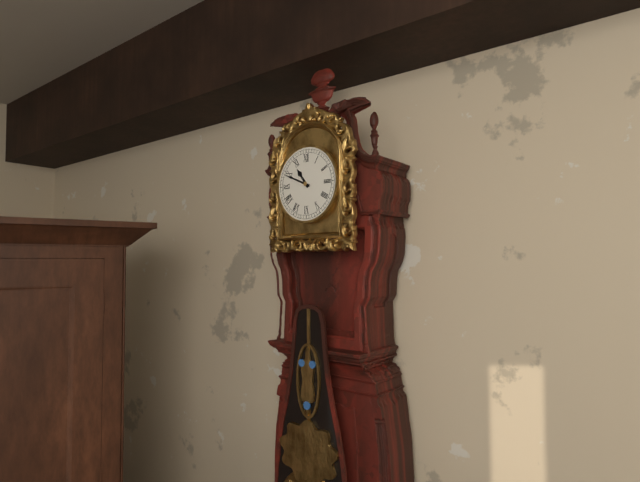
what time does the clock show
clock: 10:49
